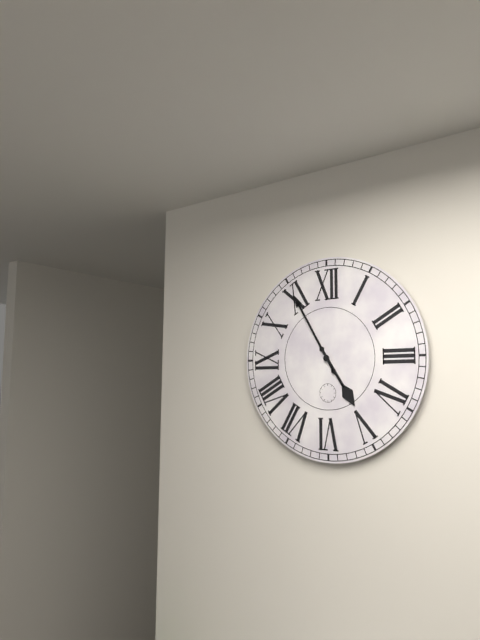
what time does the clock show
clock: 4:55
